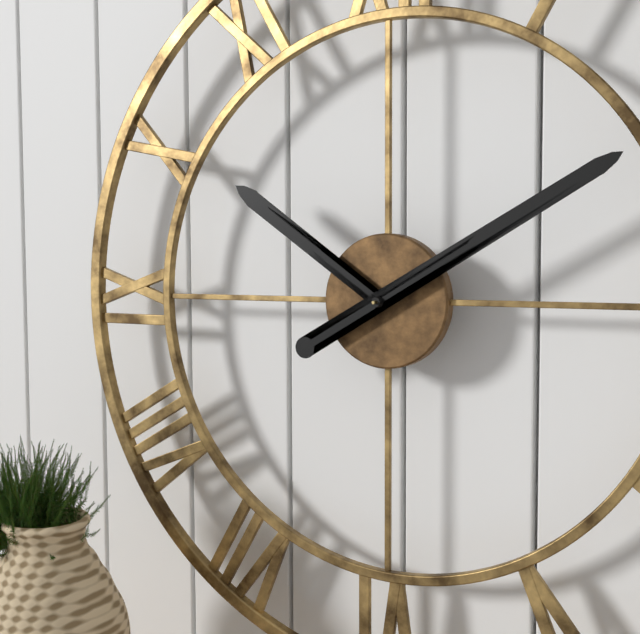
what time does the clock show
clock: 10:10
